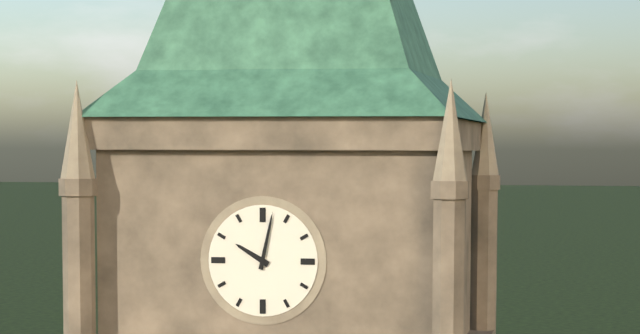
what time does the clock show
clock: 10:02
